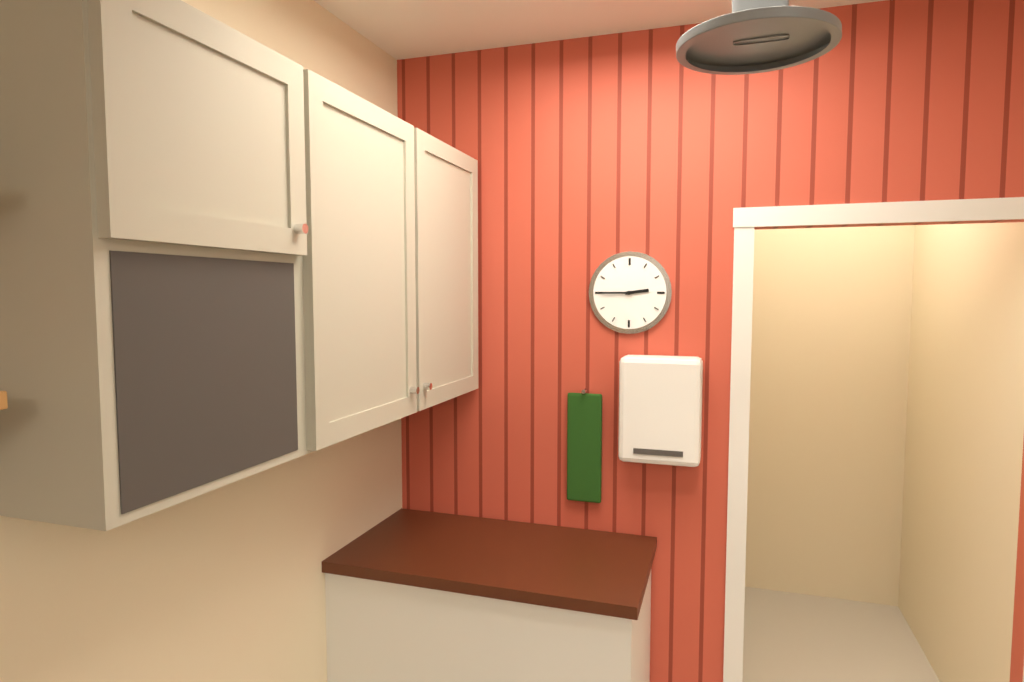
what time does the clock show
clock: 2:45
